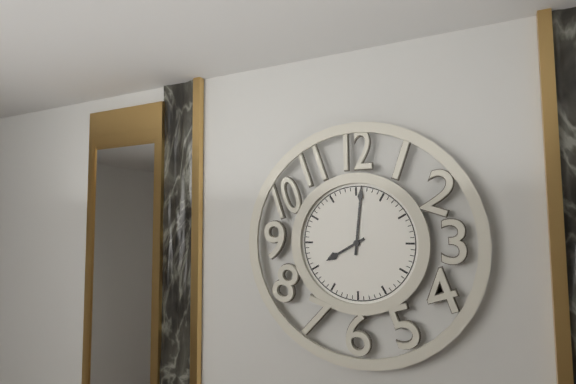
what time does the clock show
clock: 8:01
